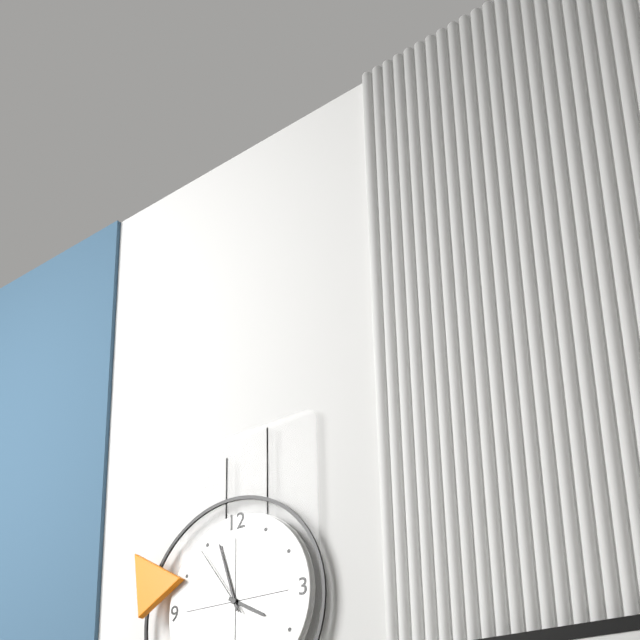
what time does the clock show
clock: 3:57:54
